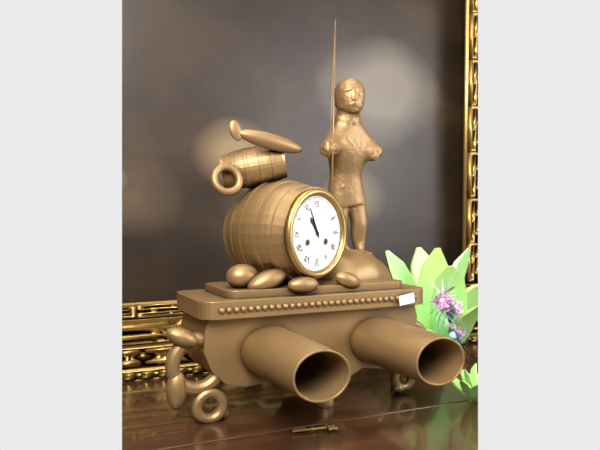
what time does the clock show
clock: 10:56
